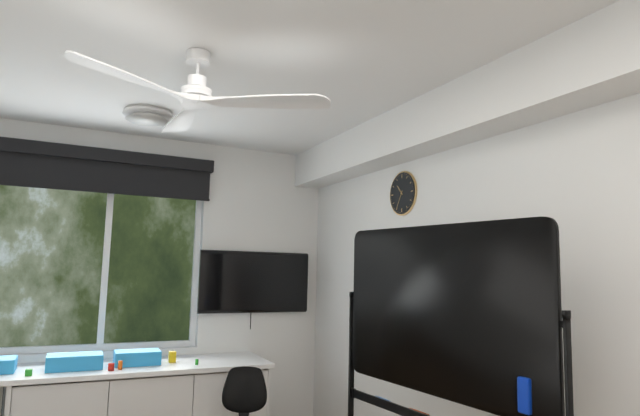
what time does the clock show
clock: 10:35
